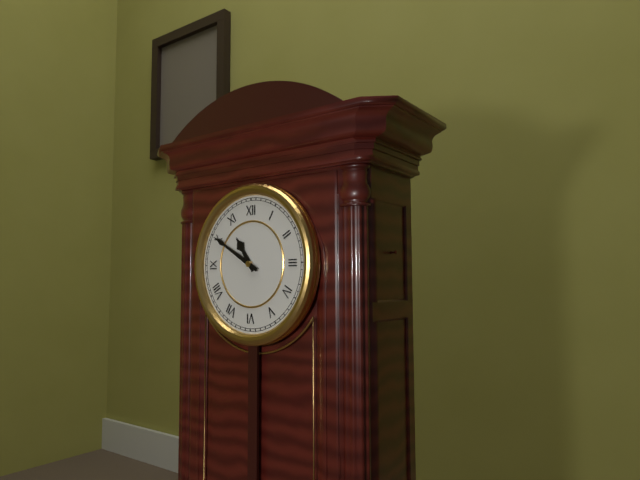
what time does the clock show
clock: 10:50
